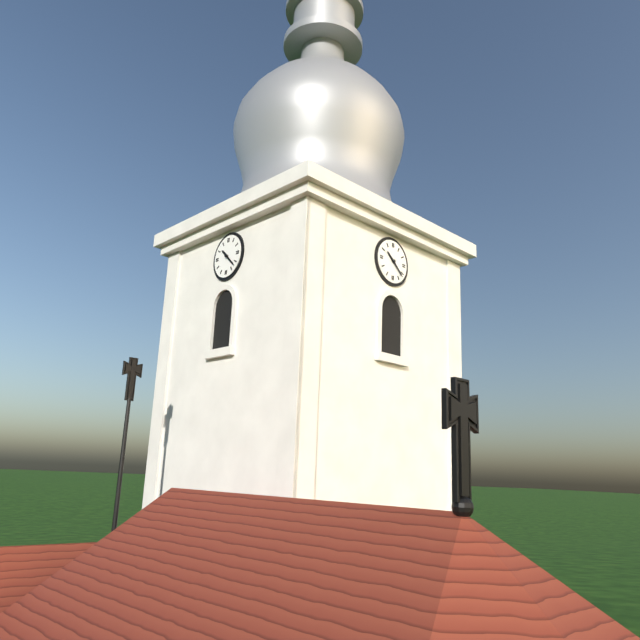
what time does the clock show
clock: 10:22
